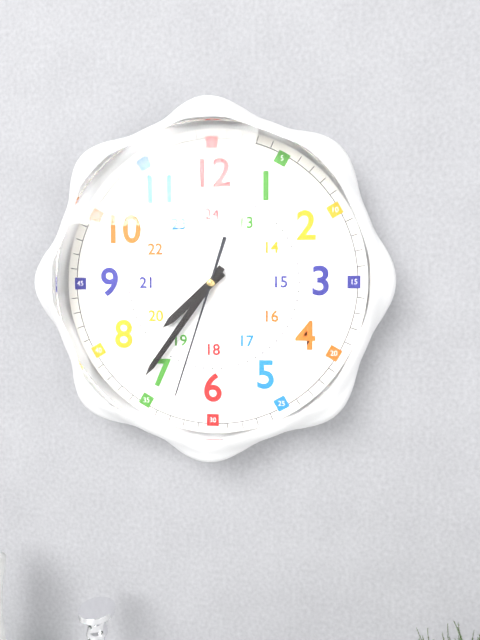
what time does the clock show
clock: 7:36:33
